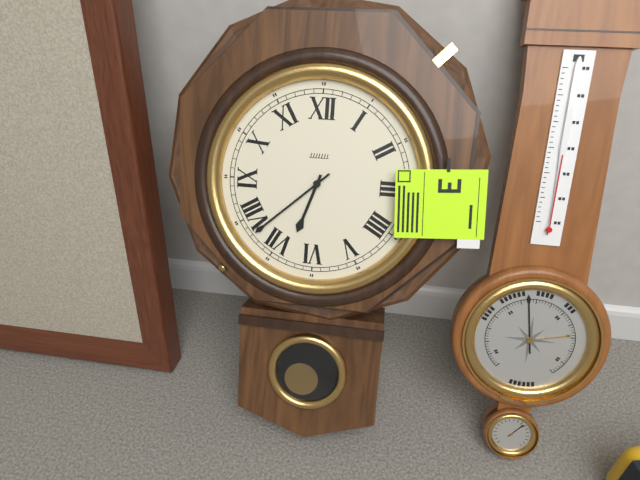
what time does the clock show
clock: 6:38
